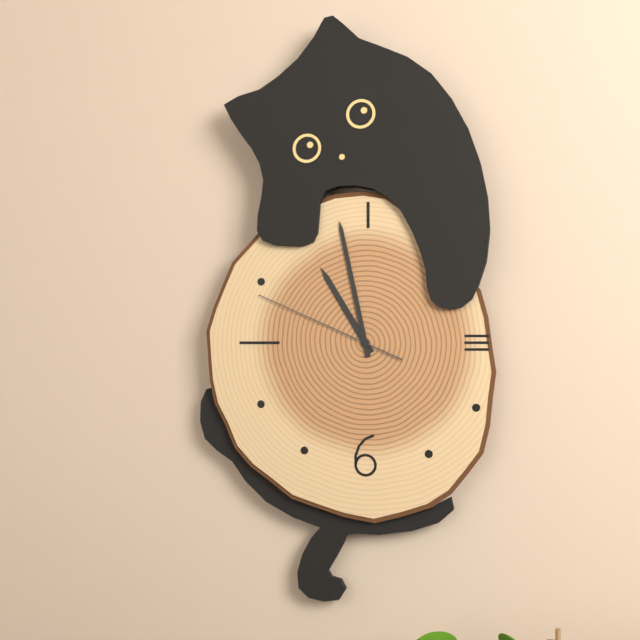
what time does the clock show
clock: 10:58:49
